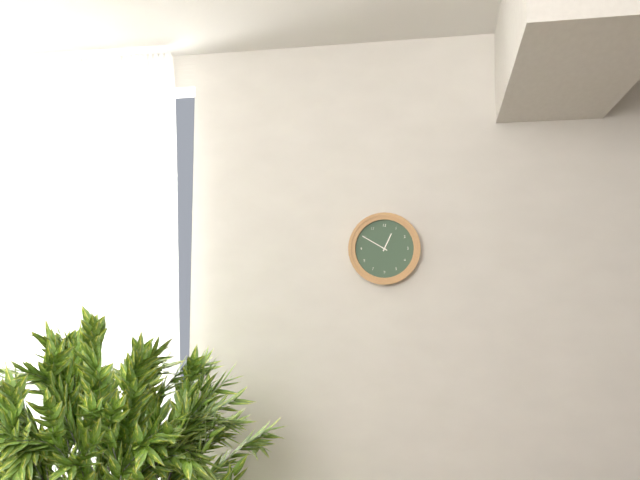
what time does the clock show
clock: 12:50
